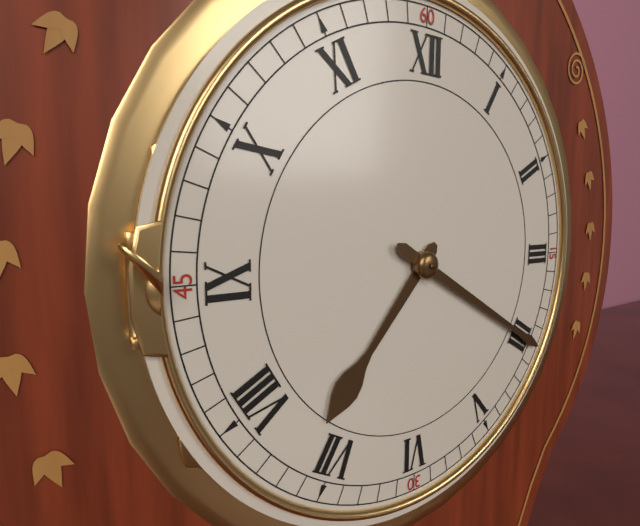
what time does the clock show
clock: 7:20
